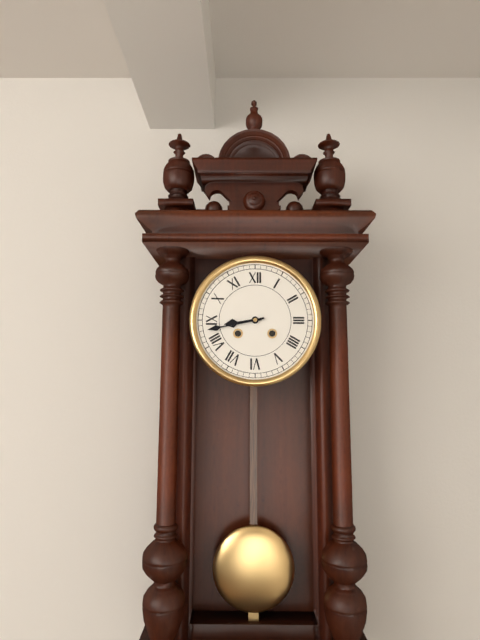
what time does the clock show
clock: 8:43
